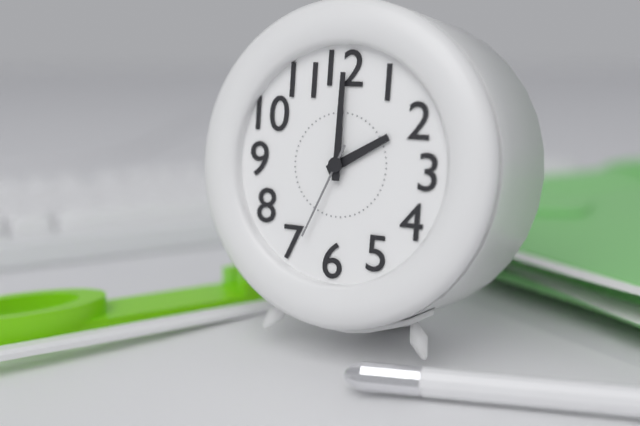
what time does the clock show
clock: 2:00:34
